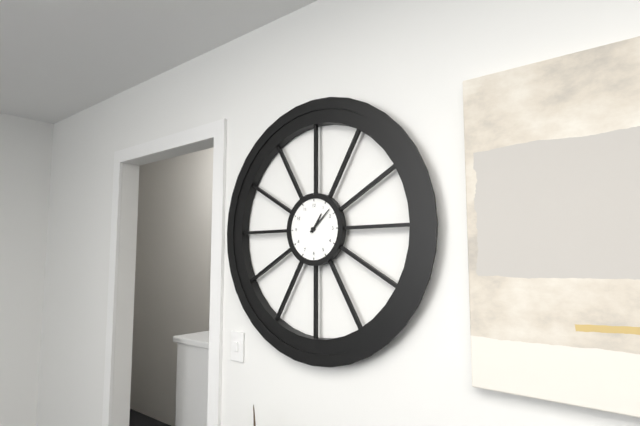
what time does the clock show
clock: 1:08
